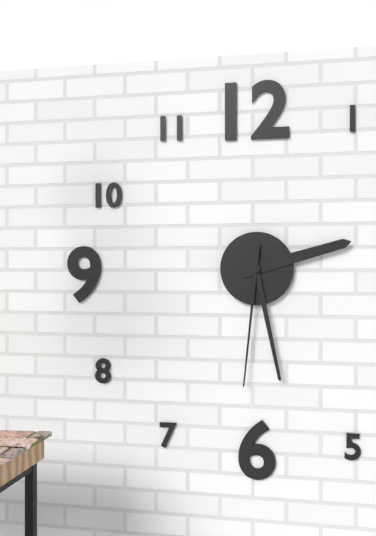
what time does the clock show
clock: 2:28:31
